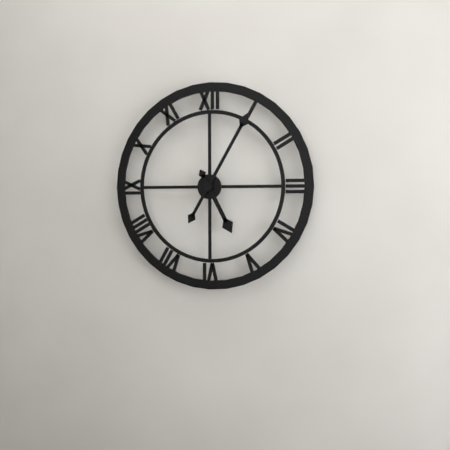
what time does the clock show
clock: 5:05
